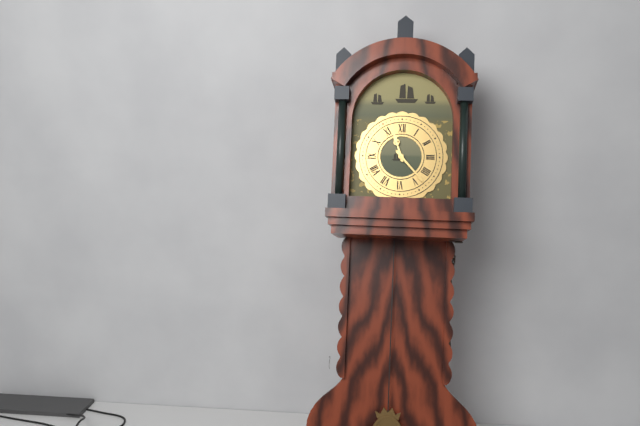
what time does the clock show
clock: 11:23
